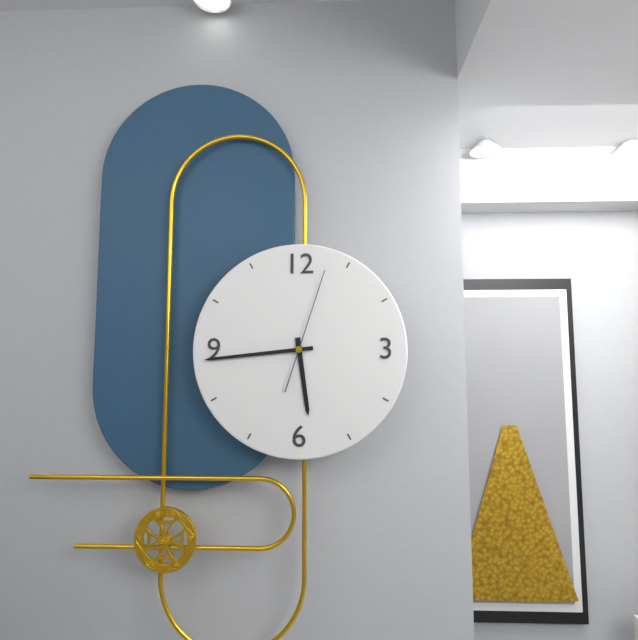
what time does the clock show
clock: 5:44:03
